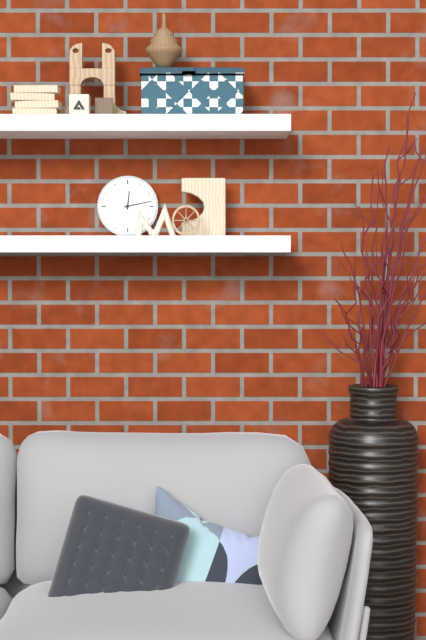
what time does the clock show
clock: 12:13
